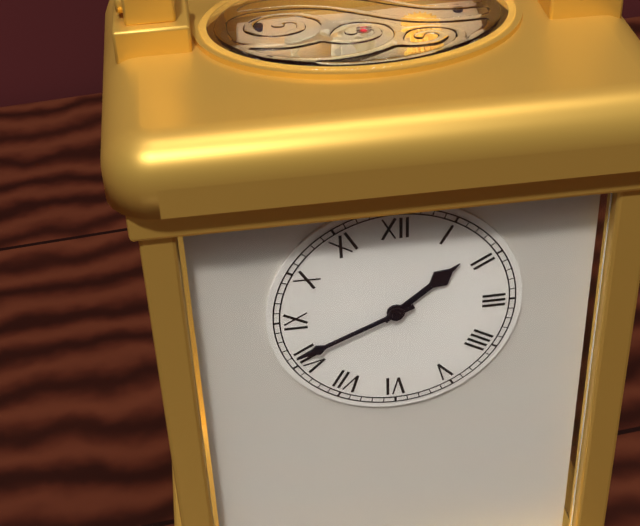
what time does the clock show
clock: 1:41
